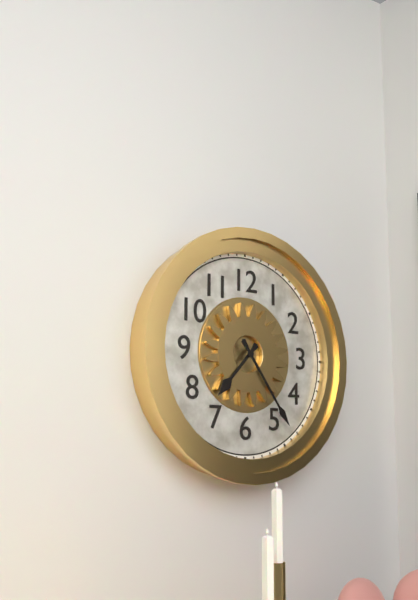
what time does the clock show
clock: 7:24
